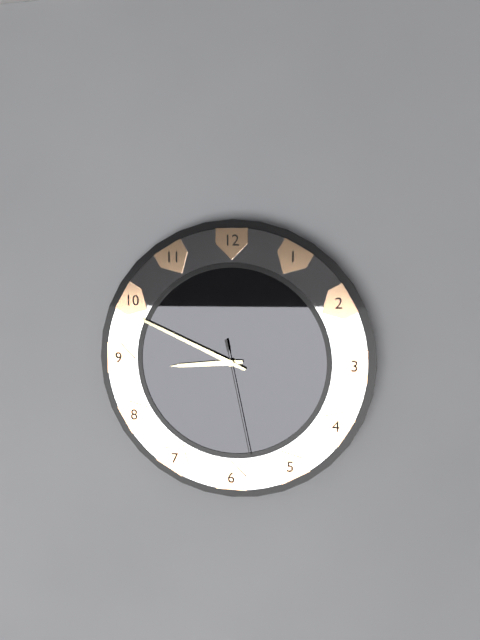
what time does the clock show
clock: 8:49:28
